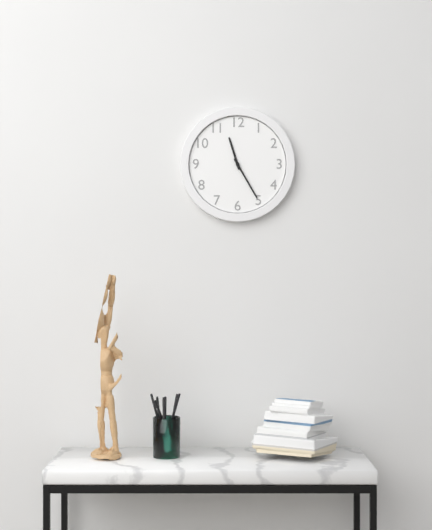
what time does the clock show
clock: 11:25
